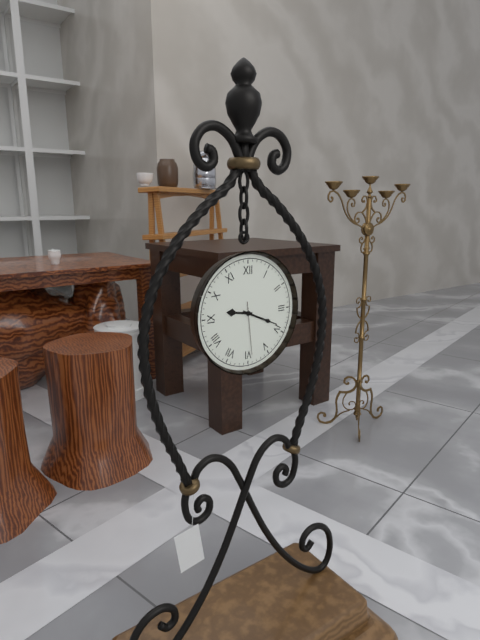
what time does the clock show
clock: 9:19:29
